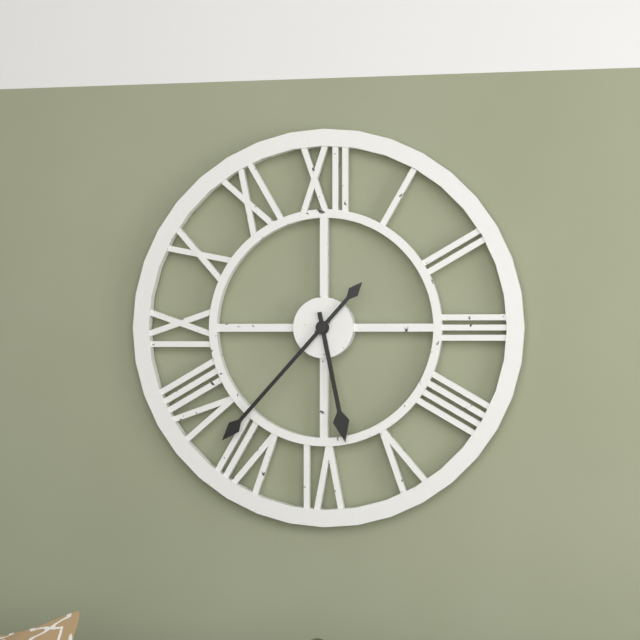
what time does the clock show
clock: 5:37
